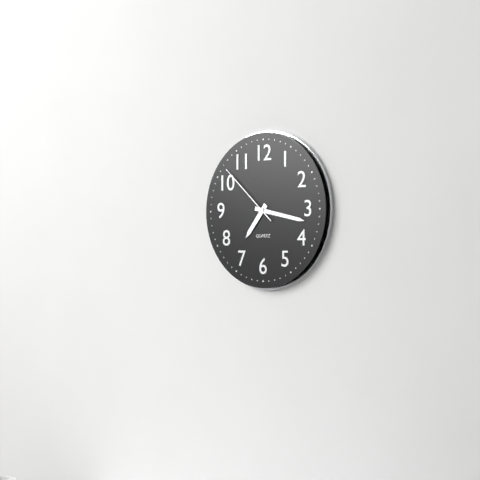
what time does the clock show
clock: 7:17:52
